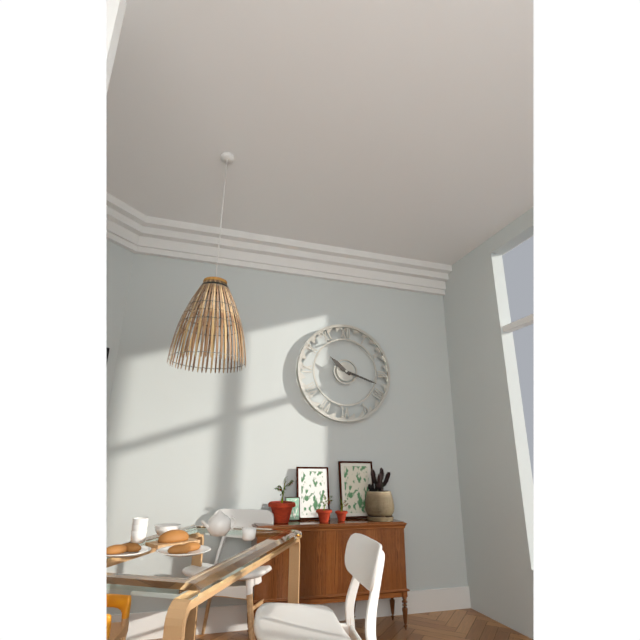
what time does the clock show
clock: 10:18
